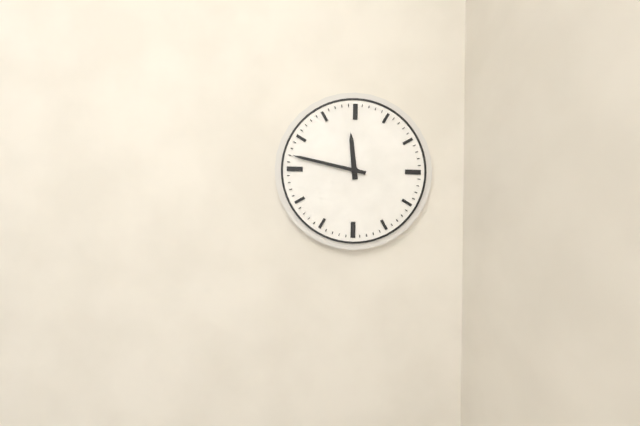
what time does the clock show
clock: 11:47
